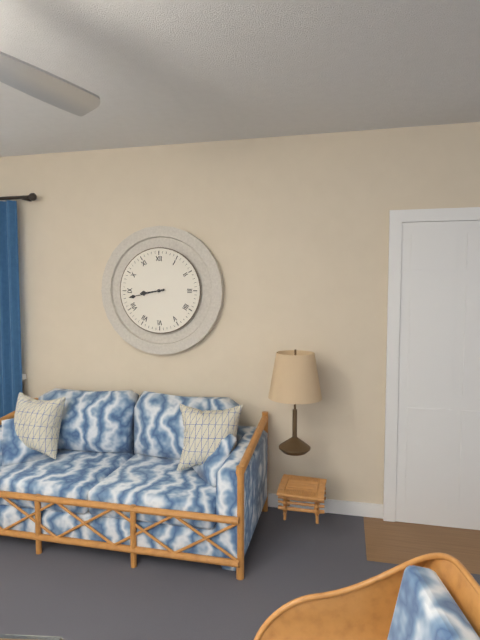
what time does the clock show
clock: 8:43
